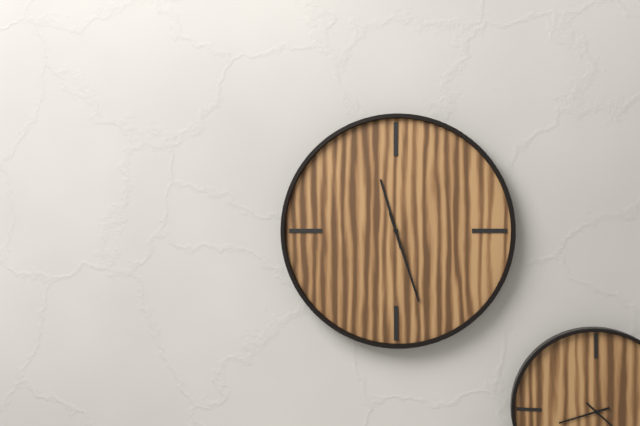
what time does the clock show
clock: 11:27
